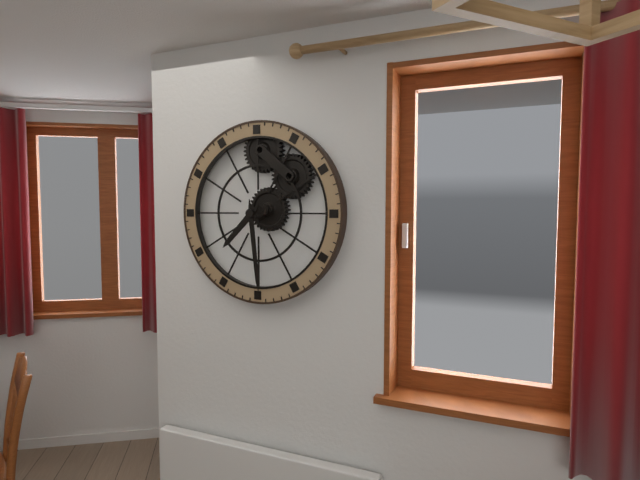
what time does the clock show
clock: 7:29
